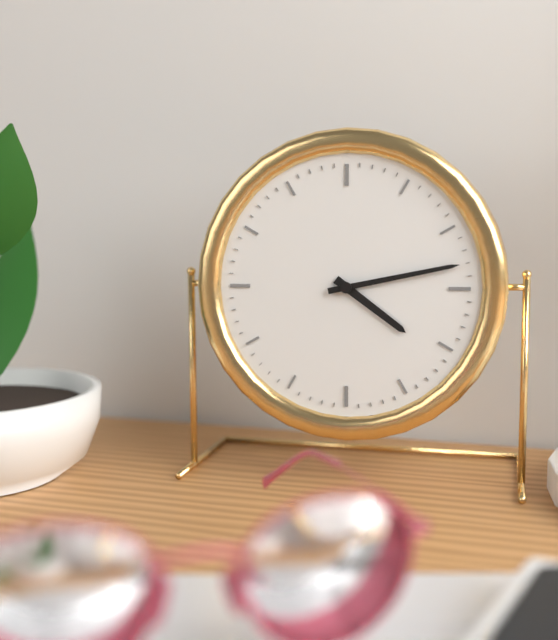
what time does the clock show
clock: 4:13
